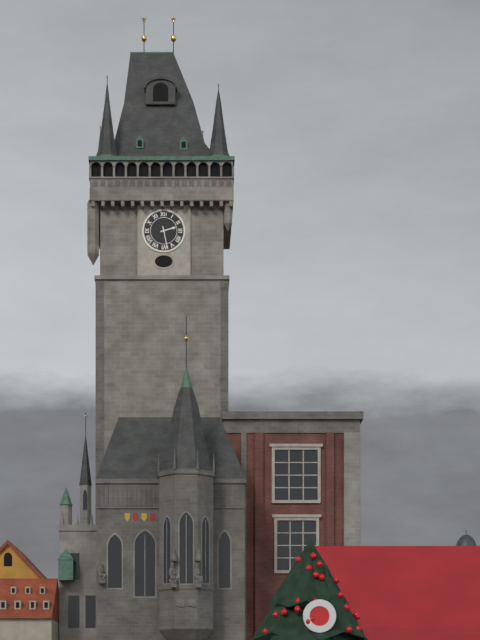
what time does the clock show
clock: 2:28
